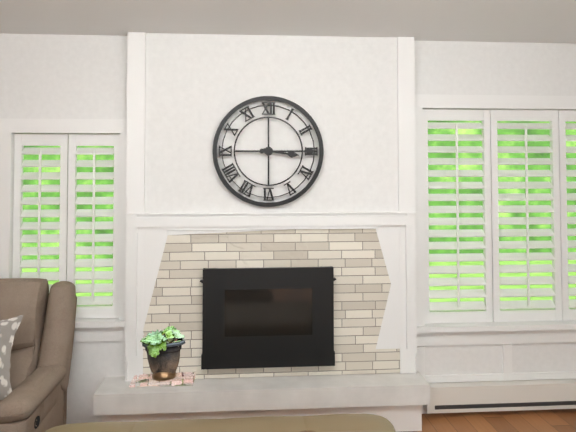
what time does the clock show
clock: 3:15
